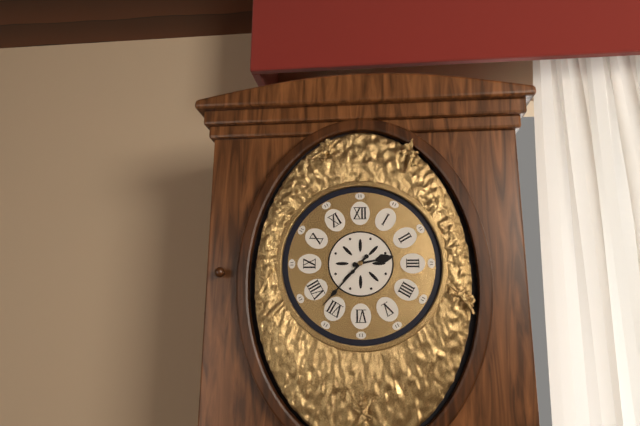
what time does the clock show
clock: 2:37
